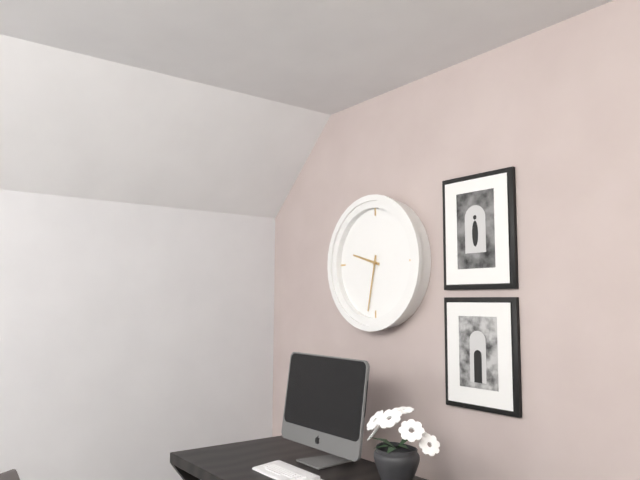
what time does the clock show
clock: 9:32
